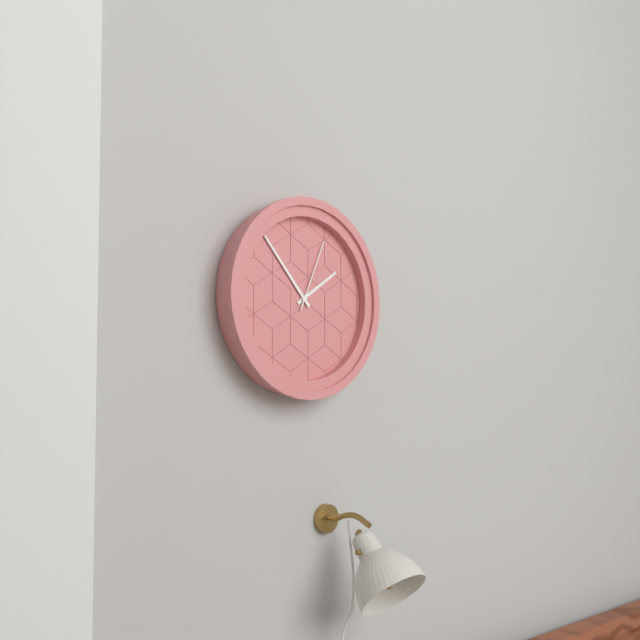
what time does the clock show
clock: 1:53:04
